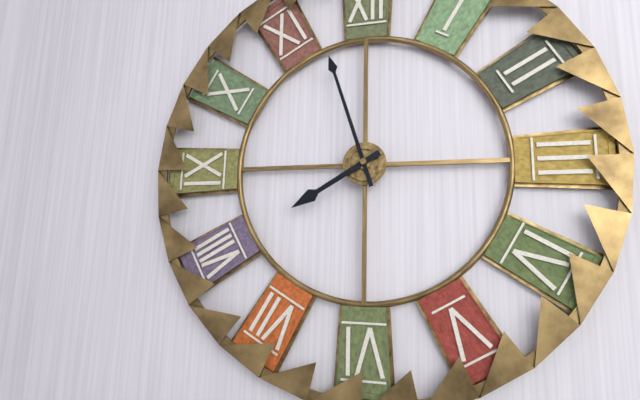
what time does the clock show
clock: 7:57
